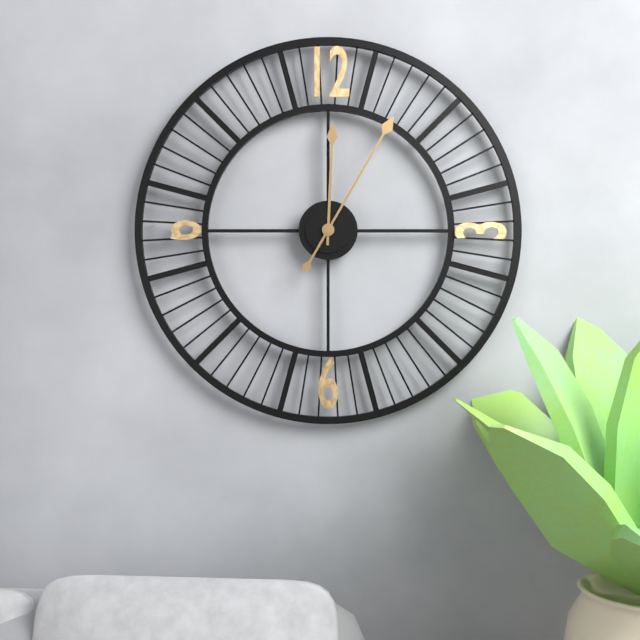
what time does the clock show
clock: 12:05
